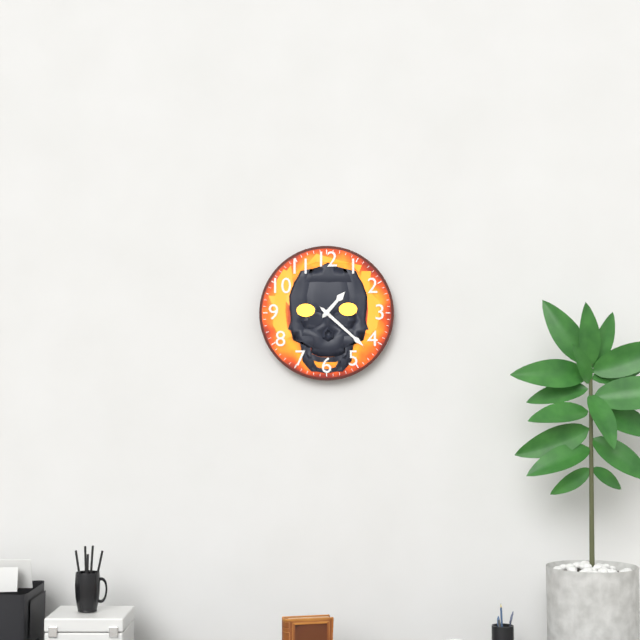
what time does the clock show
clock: 1:22
